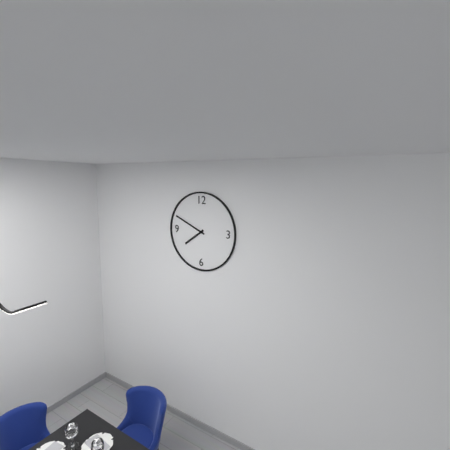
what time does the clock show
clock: 7:49
